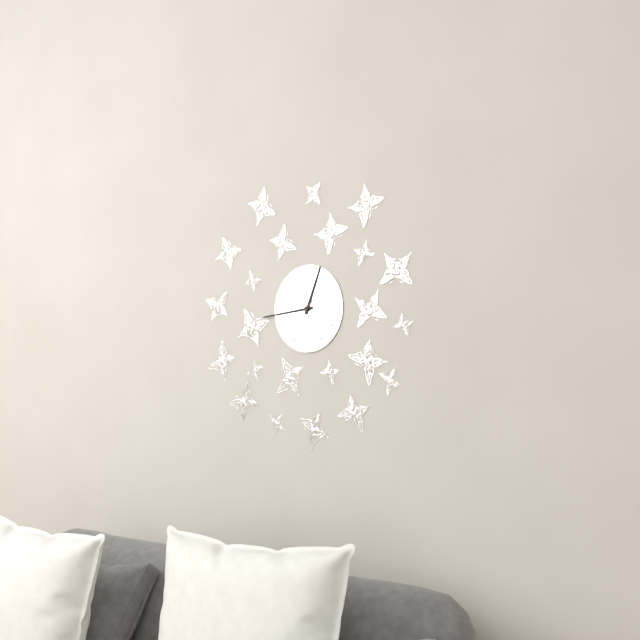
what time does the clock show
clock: 12:44
